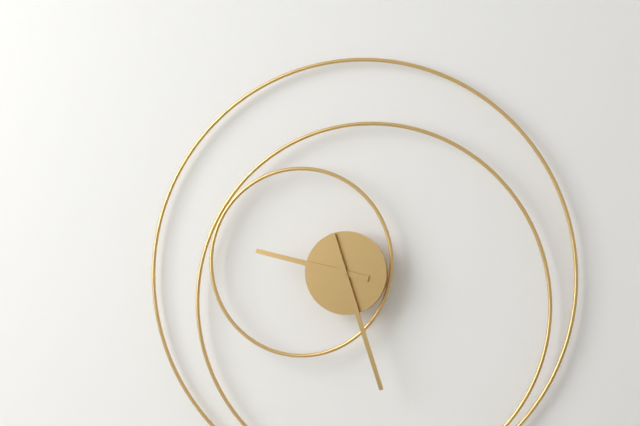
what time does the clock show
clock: 9:27
